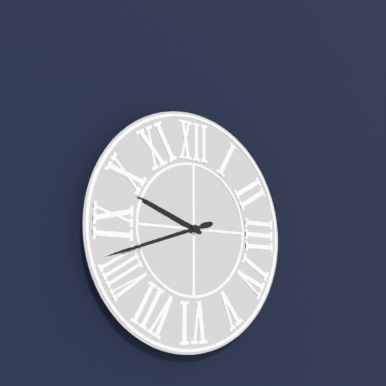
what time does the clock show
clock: 9:42
